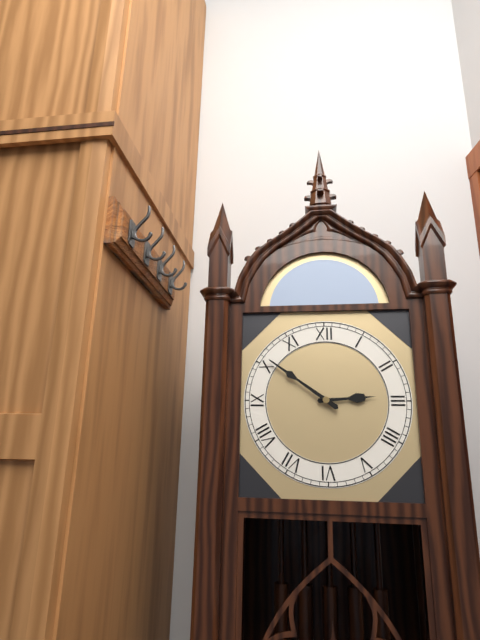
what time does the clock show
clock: 2:51
